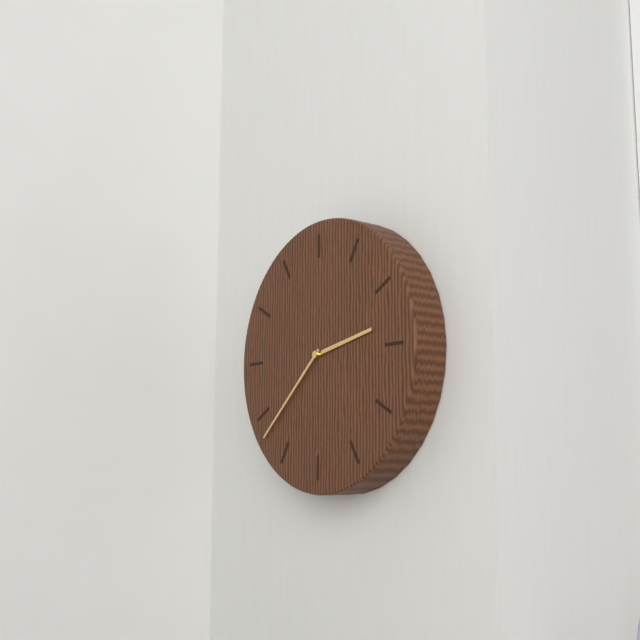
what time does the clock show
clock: 2:38
